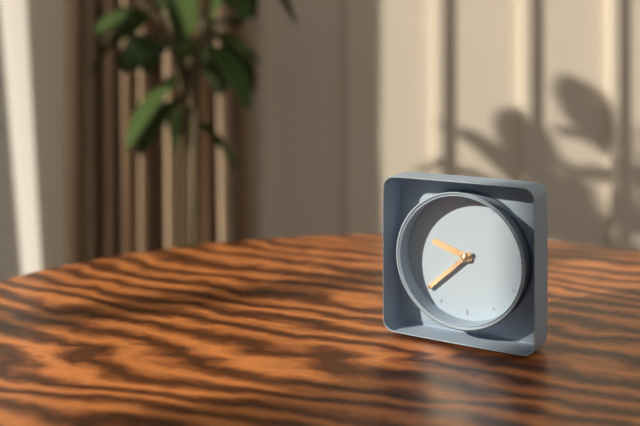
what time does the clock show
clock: 9:38
